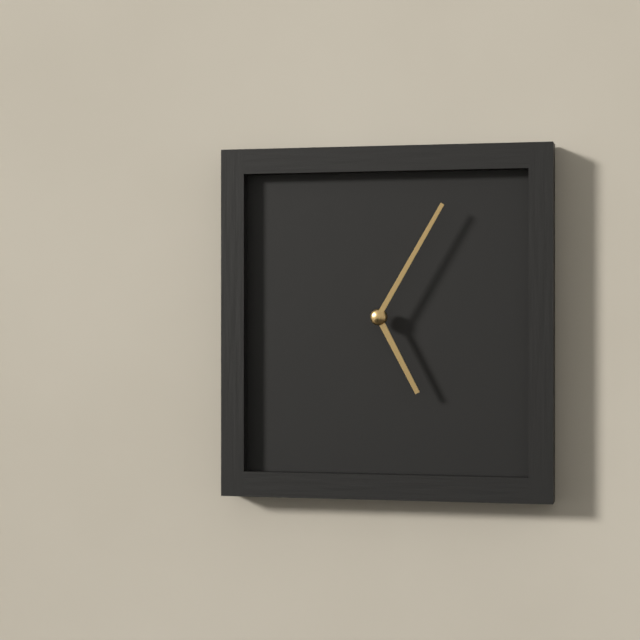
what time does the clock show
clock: 5:05
